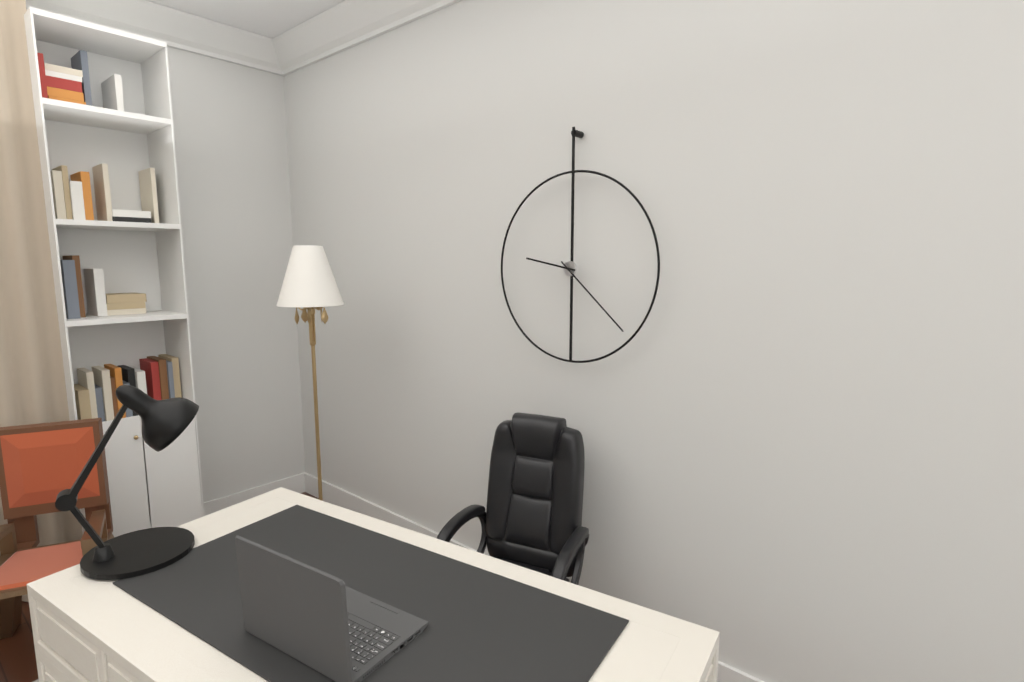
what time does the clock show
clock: 9:22
